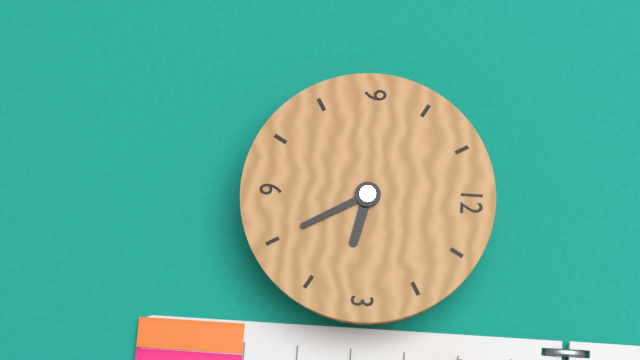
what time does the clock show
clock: 3:25
